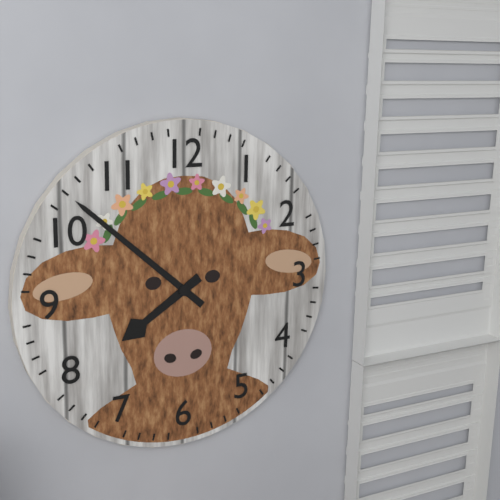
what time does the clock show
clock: 7:52
